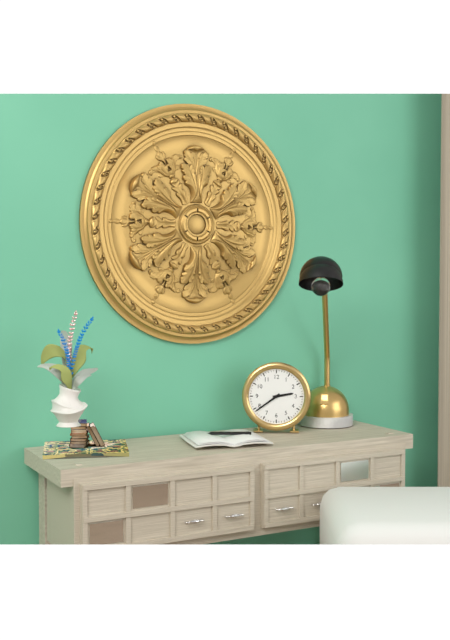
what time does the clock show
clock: 2:39
